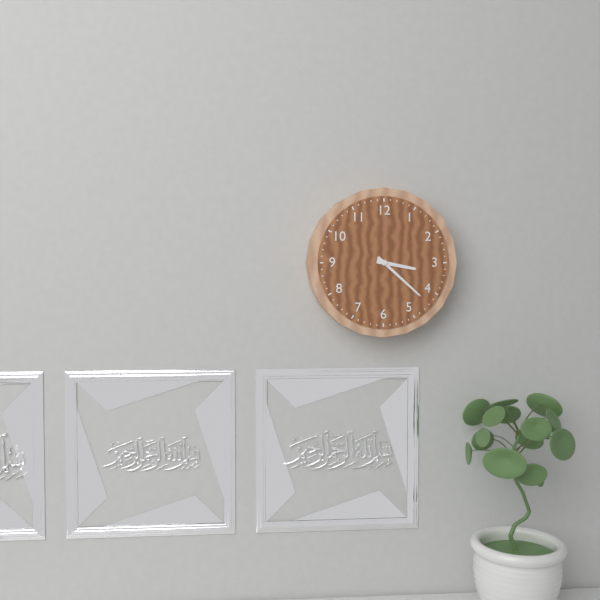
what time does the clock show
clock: 3:22
